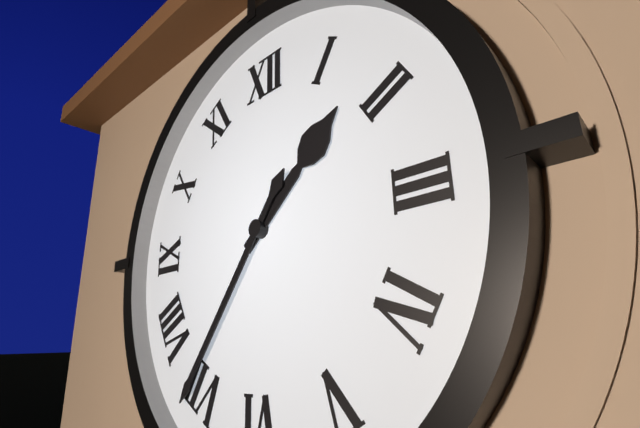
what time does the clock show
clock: 1:36
